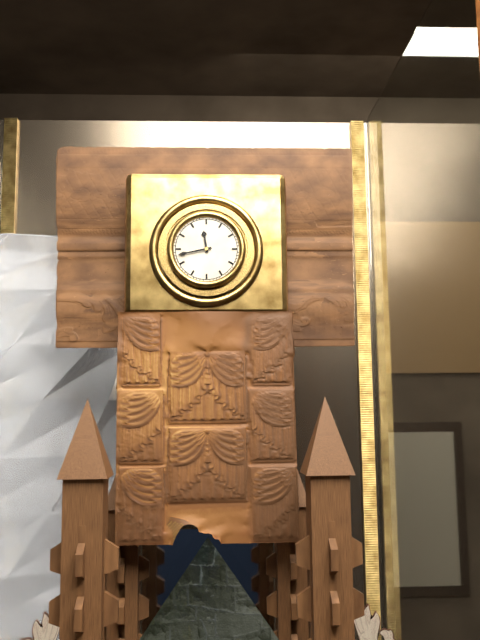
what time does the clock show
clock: 11:43
